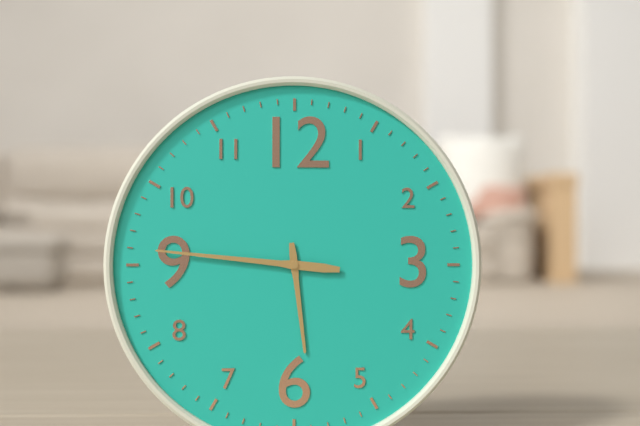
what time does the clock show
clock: 5:46
